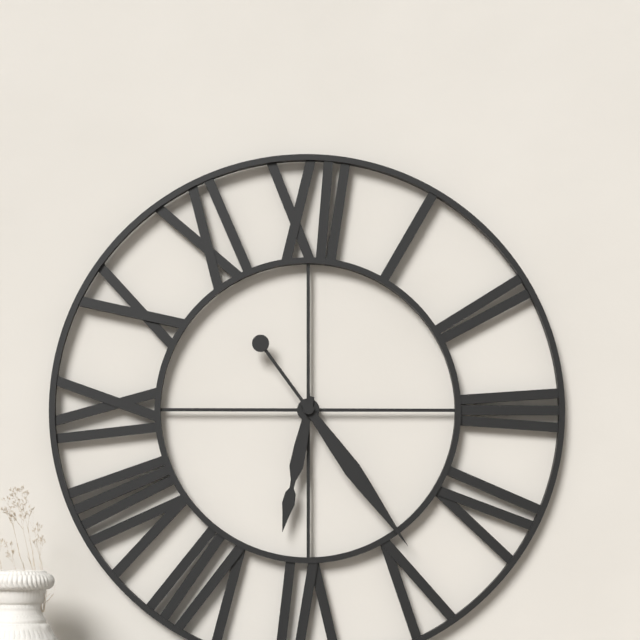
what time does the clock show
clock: 6:24
